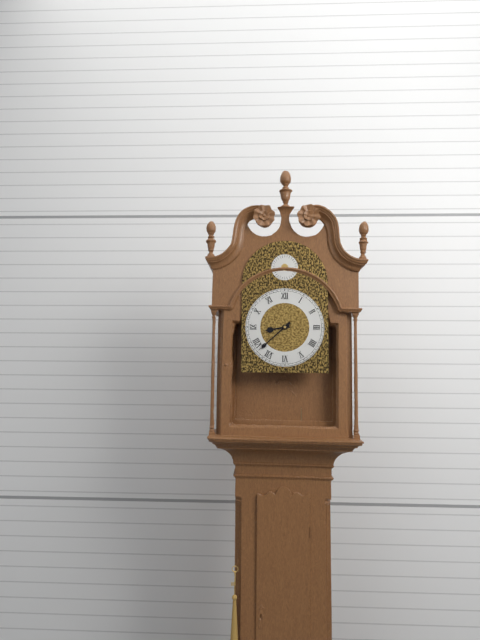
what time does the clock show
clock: 8:38
